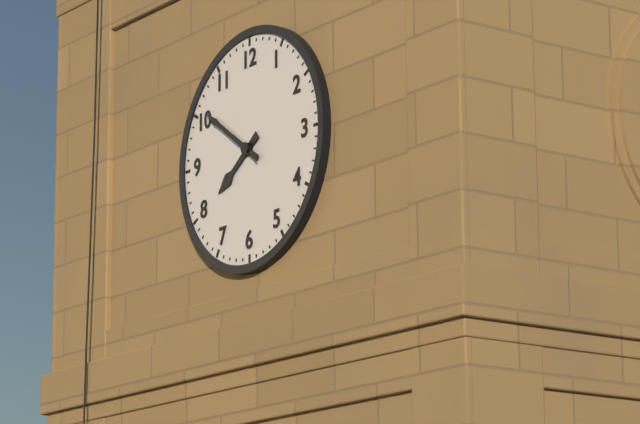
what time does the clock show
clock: 7:51
